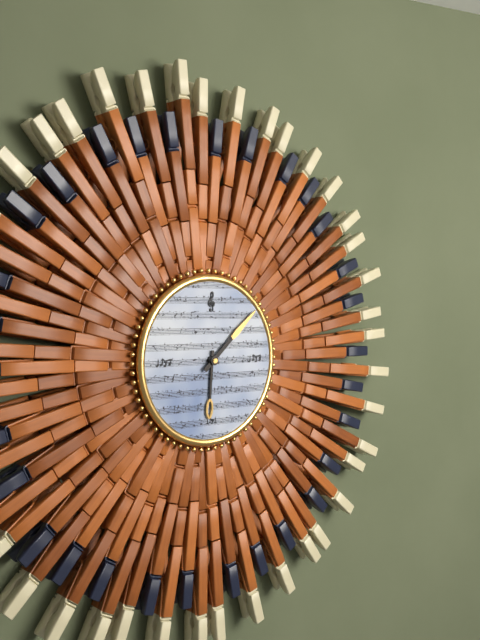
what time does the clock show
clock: 6:08
